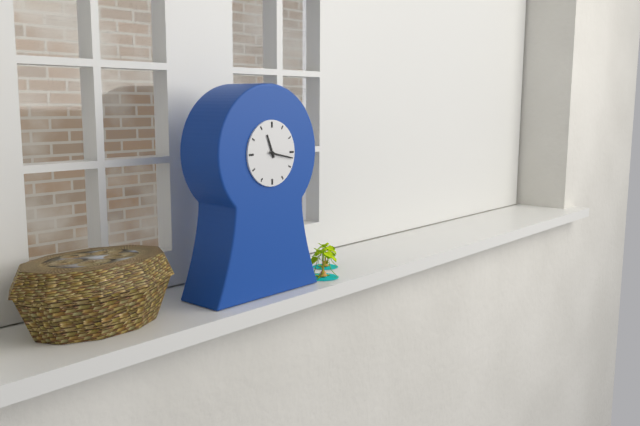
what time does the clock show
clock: 11:17
